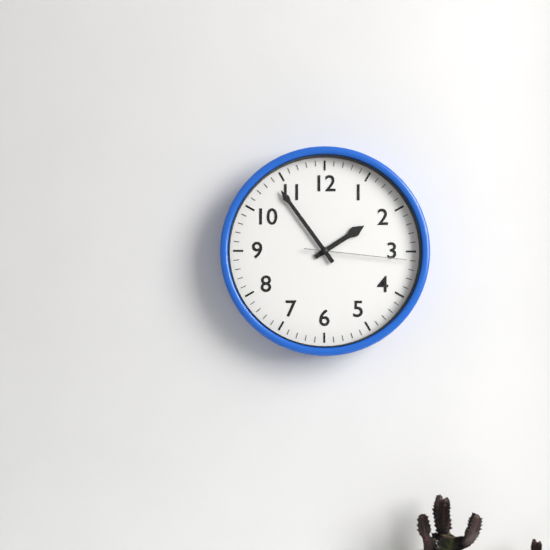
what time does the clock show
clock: 1:54:16
